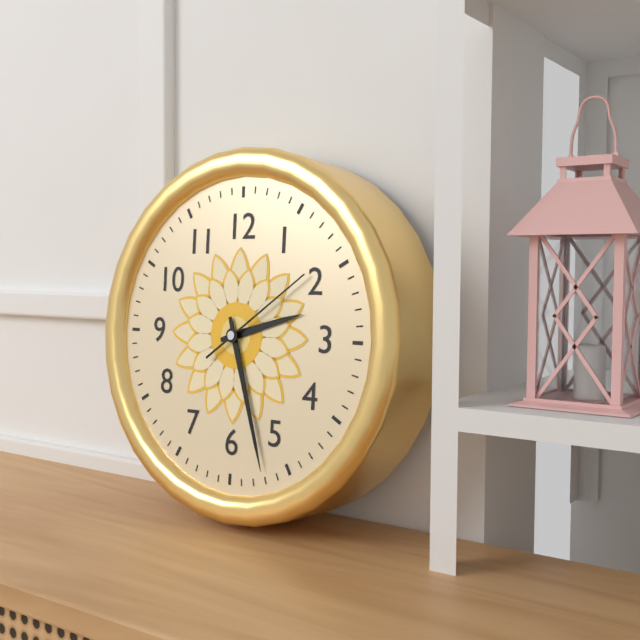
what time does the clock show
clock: 2:27:09
